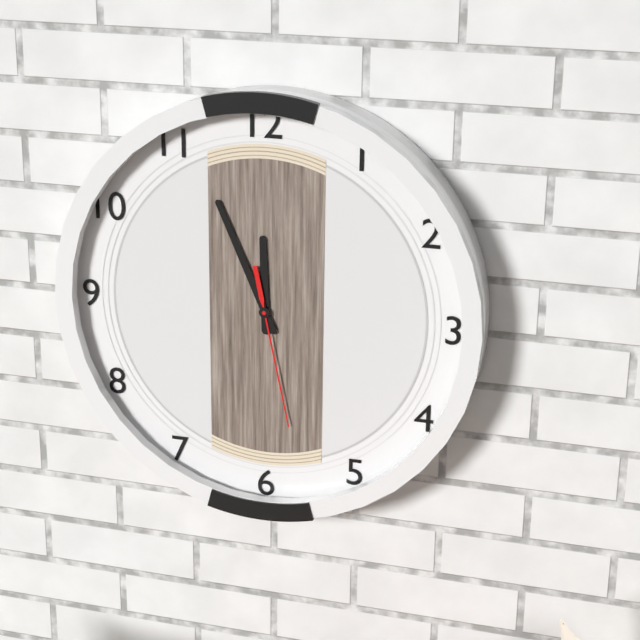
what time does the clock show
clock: 11:56:28
